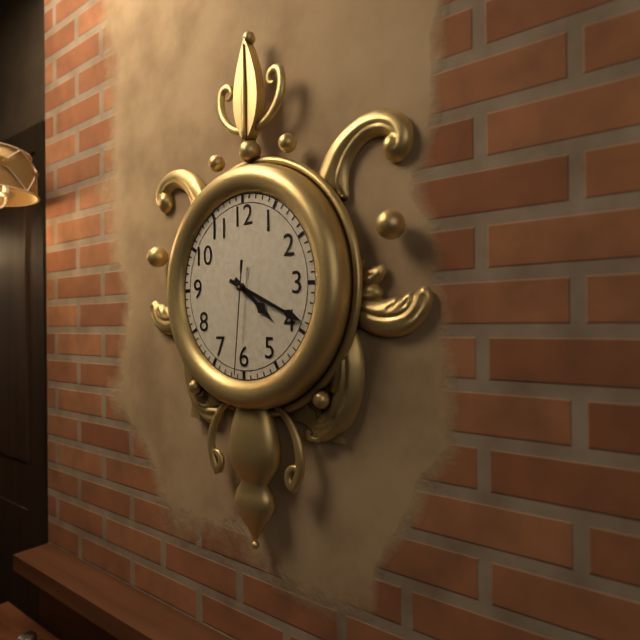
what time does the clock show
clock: 4:19:31
